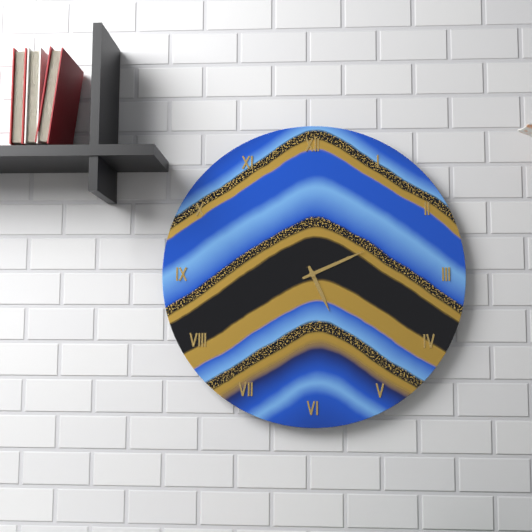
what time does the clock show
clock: 5:11
